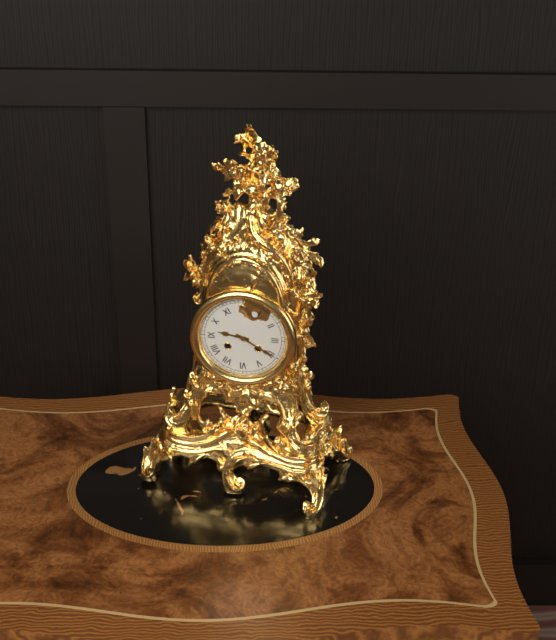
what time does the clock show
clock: 9:20
